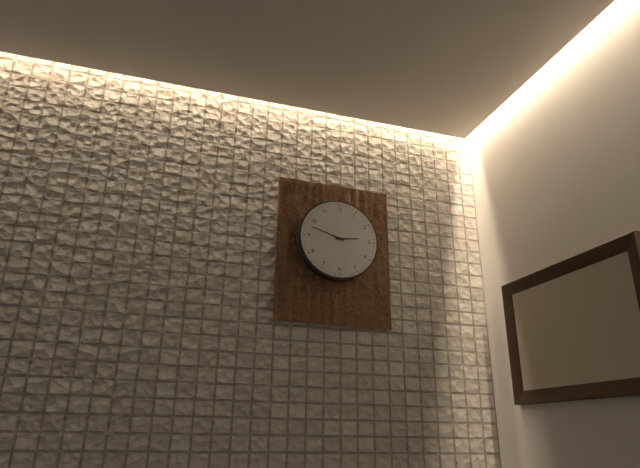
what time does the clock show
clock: 2:48
